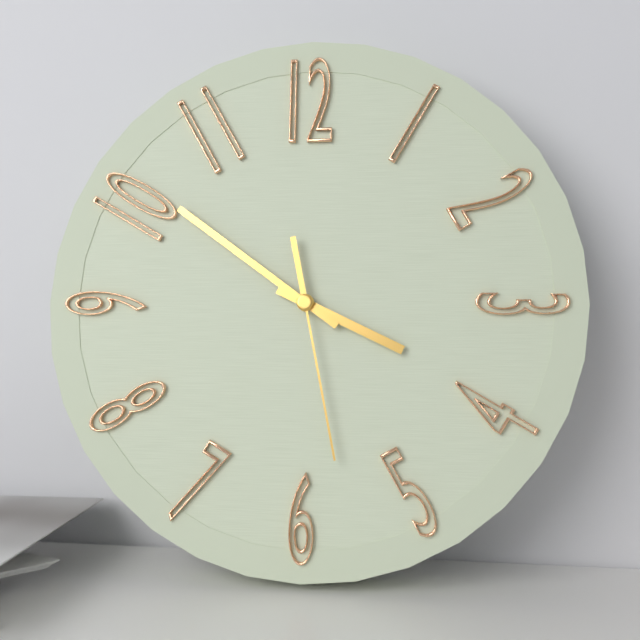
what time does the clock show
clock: 3:51:28
